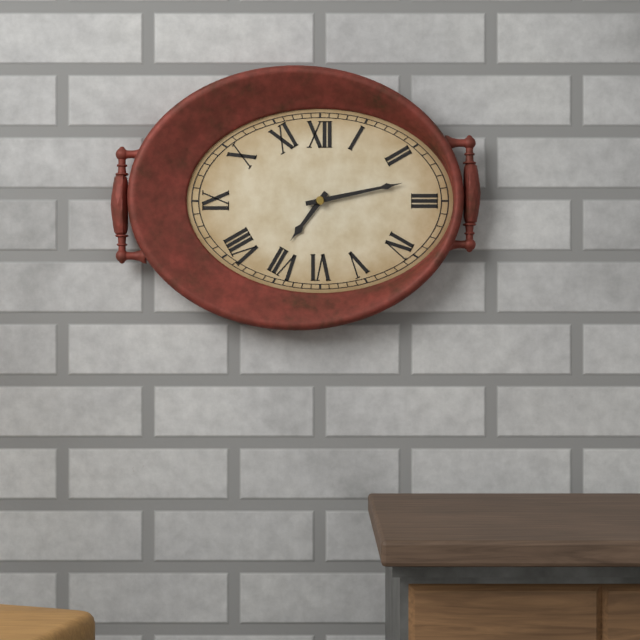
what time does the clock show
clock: 7:13
